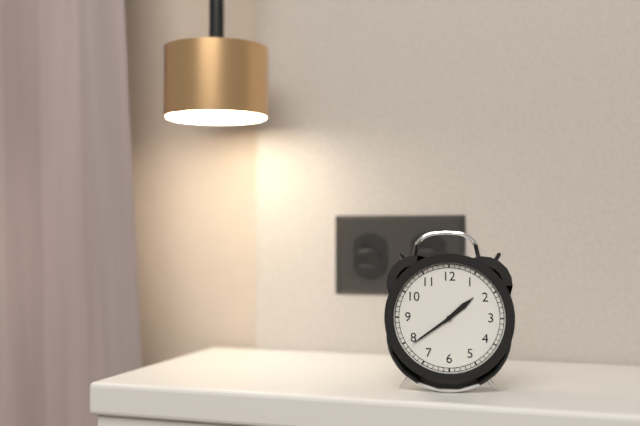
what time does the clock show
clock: 1:39
